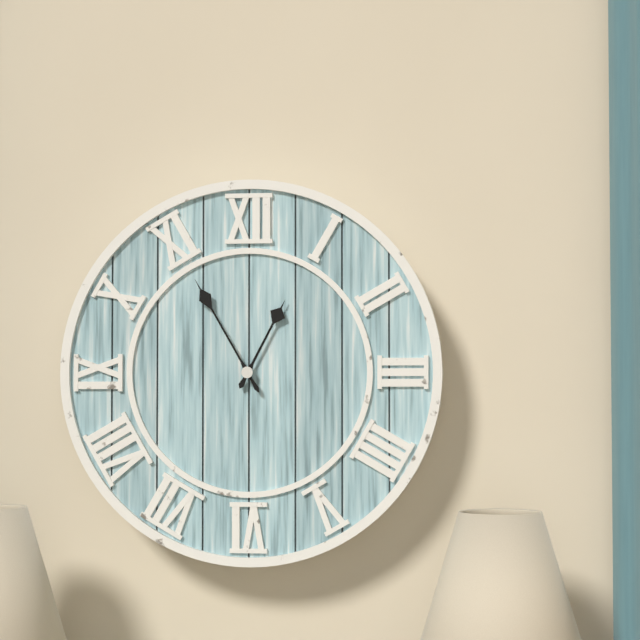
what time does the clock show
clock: 12:55
